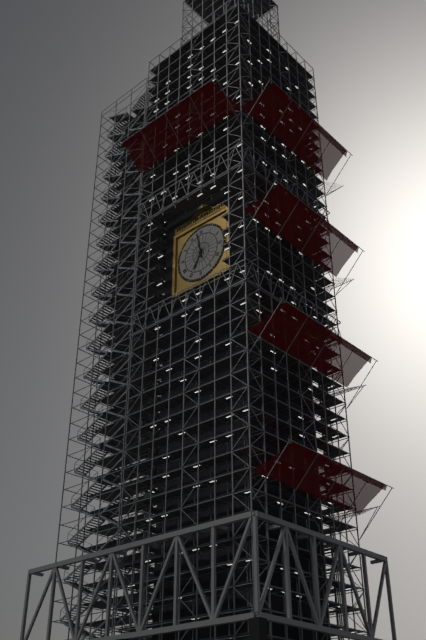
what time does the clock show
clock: 6:58
